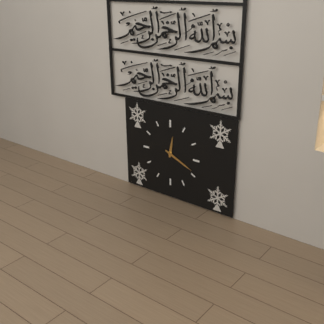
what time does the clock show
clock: 12:19
